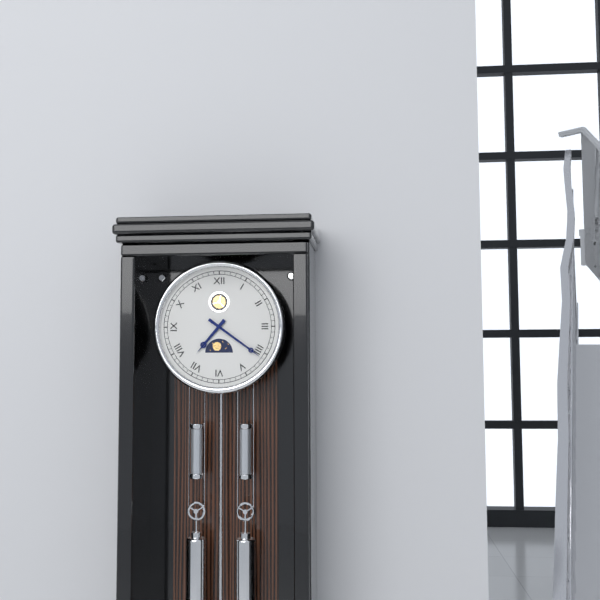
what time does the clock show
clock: 7:21
